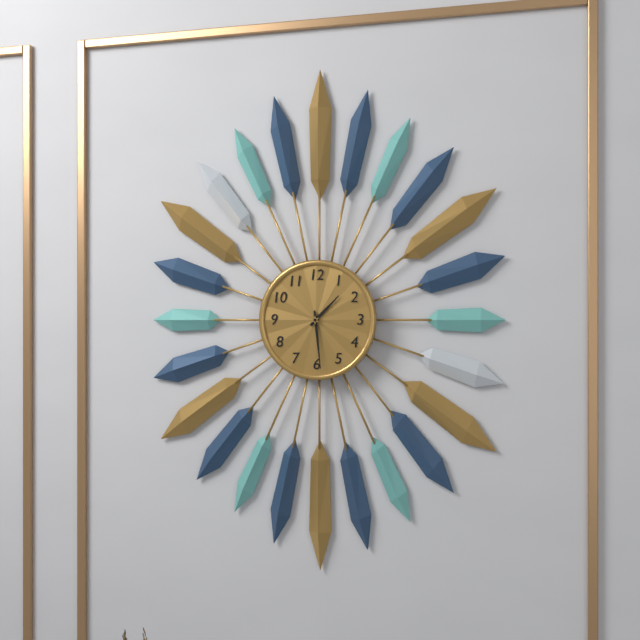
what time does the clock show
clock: 1:29
